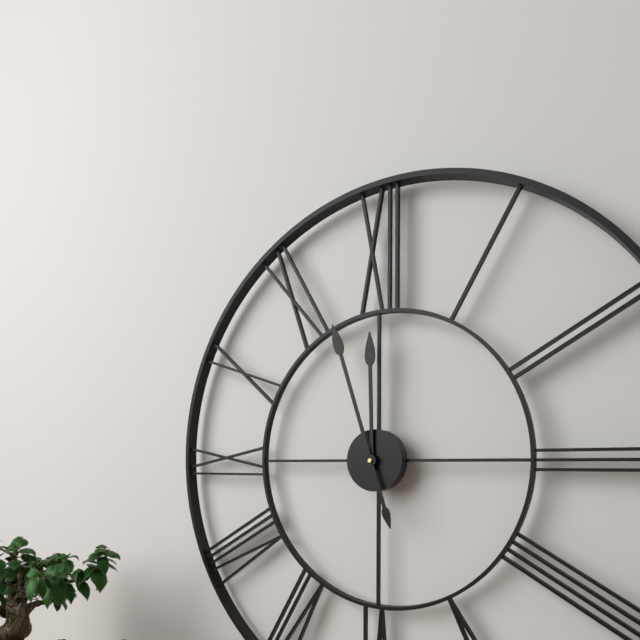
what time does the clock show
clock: 11:57
